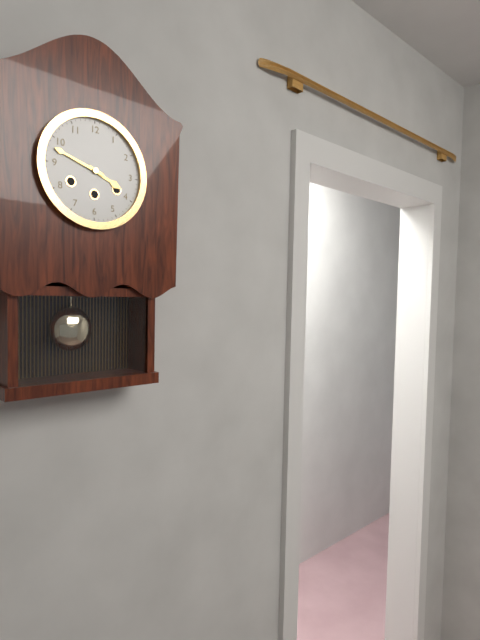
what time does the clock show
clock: 3:48
